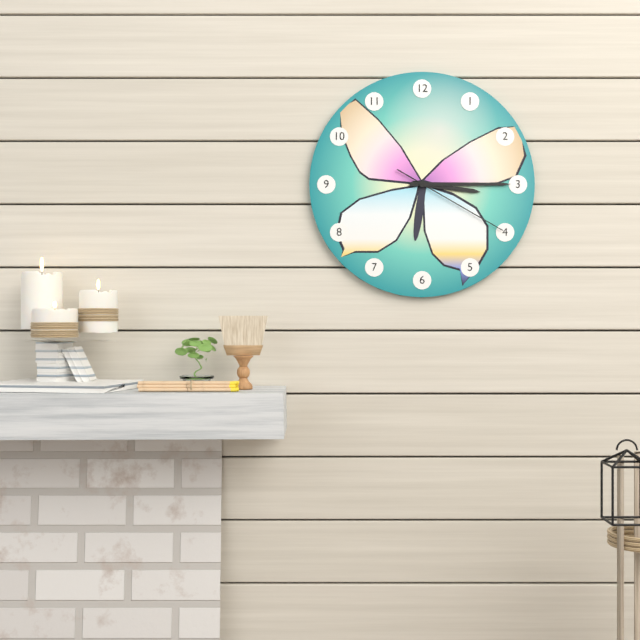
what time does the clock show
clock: 3:15:20
